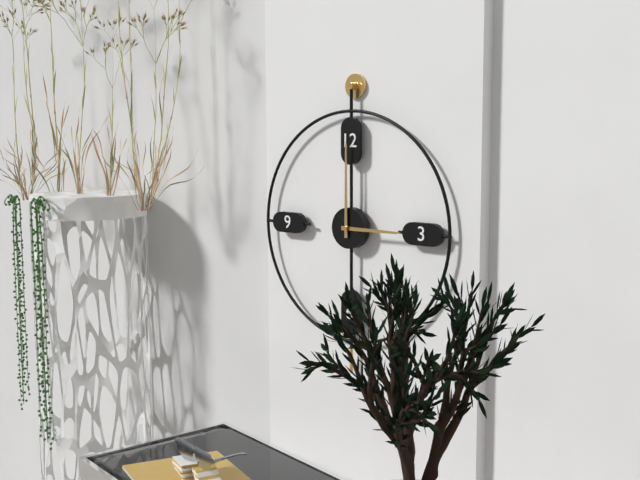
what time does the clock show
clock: 3:00
